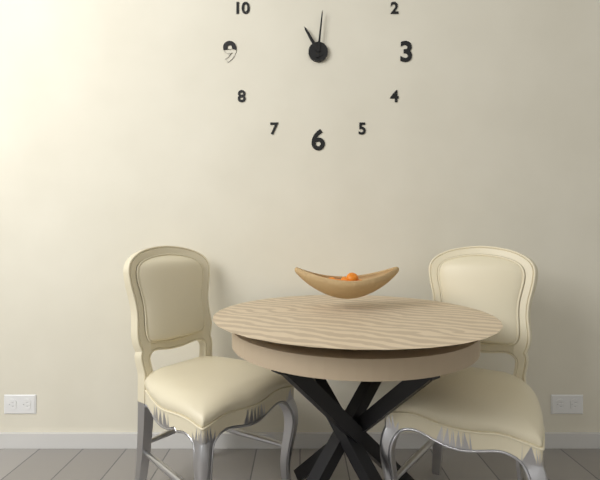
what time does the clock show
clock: 11:01
